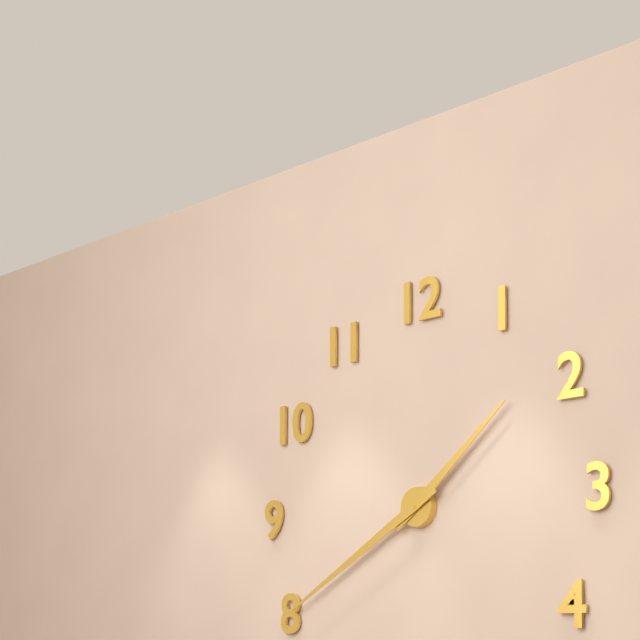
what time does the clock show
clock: 1:40
